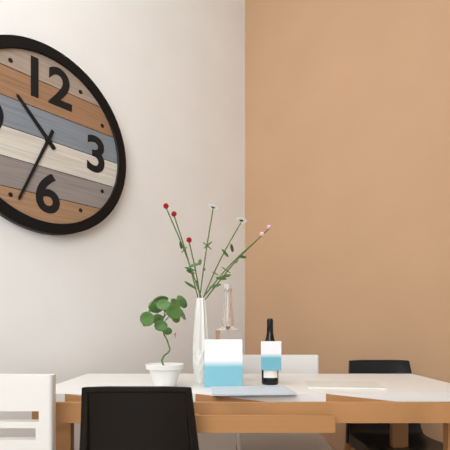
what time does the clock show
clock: 10:34
